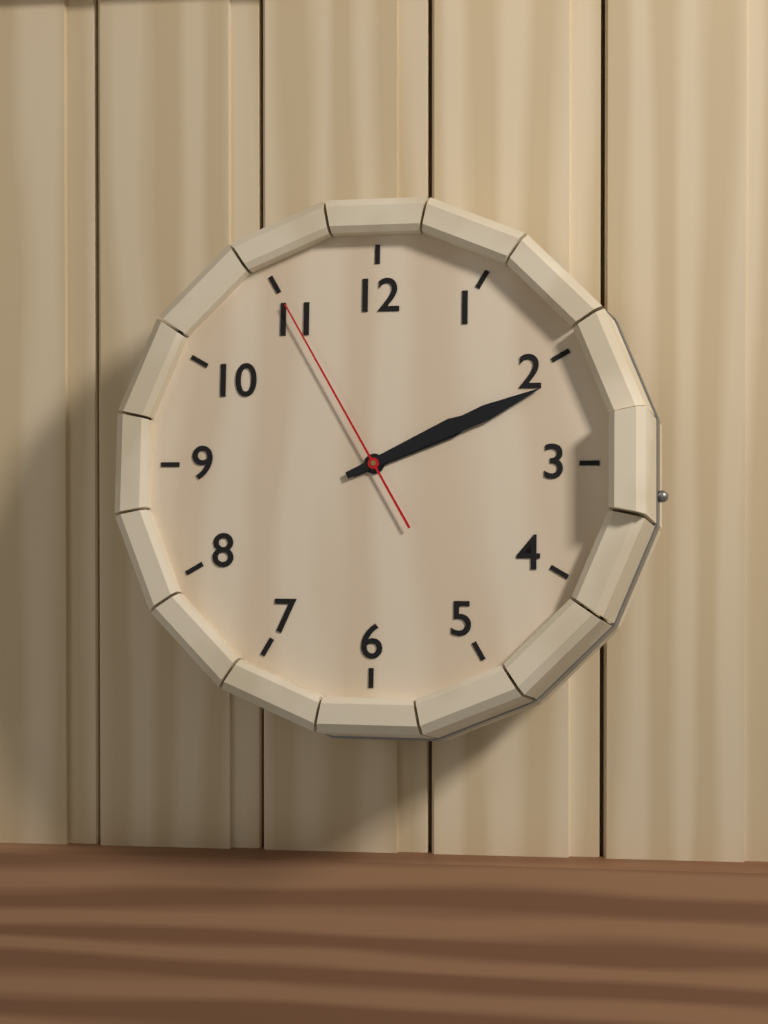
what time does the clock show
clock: 2:11:55
